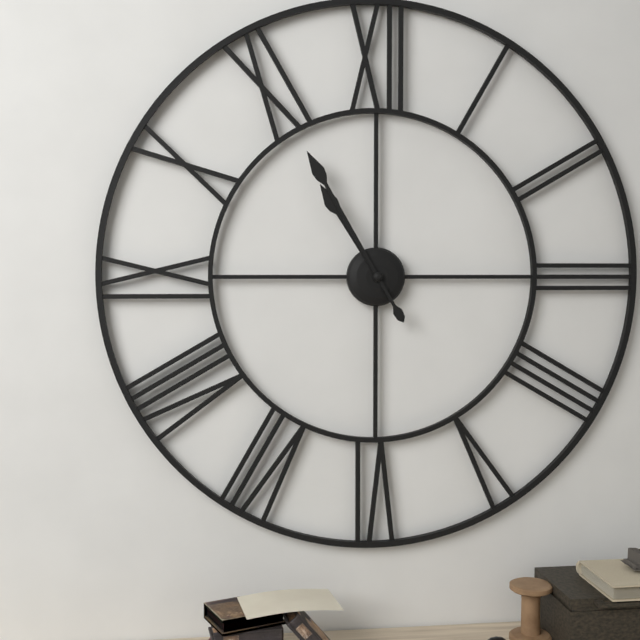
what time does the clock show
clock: 10:55
